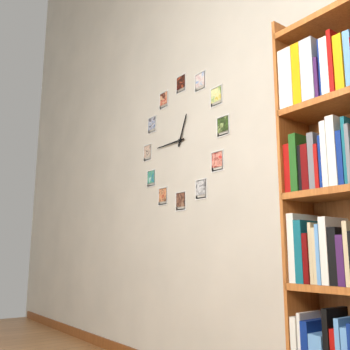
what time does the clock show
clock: 12:45
